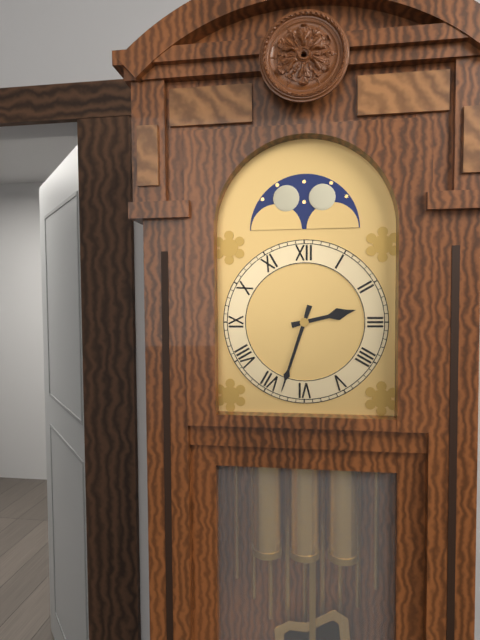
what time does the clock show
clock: 2:33
